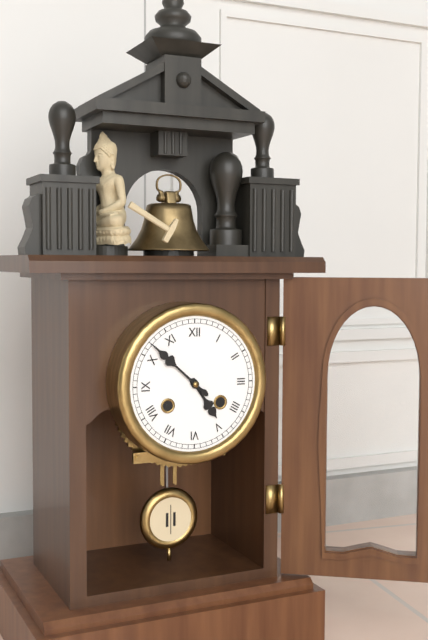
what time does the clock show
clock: 4:52
